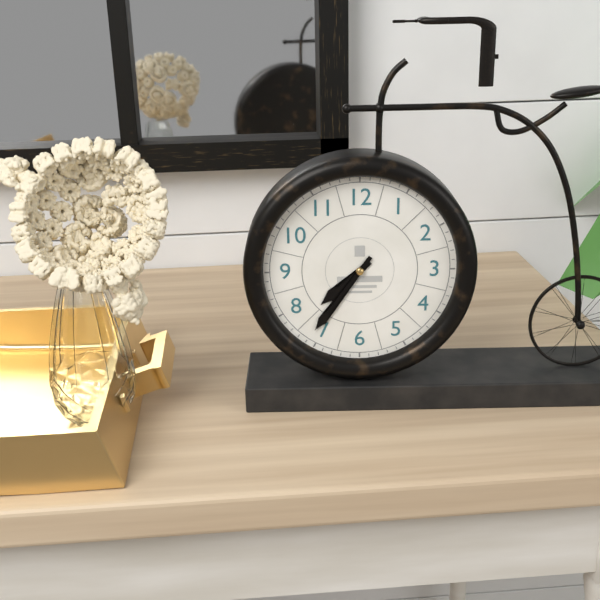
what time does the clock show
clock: 7:36
